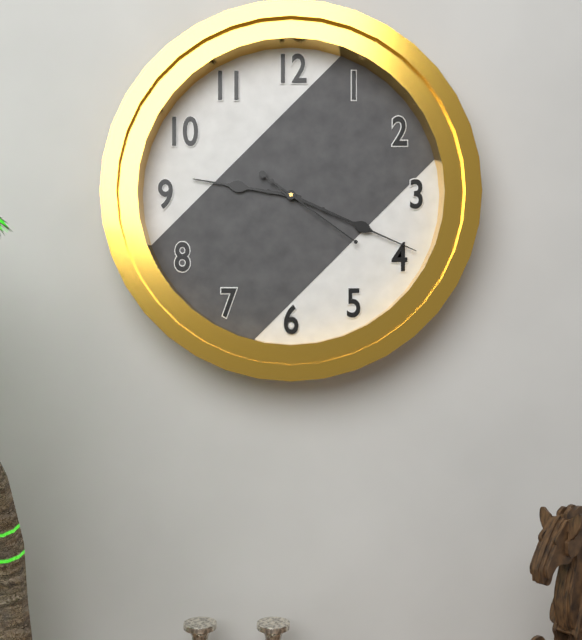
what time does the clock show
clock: 9:19:21
